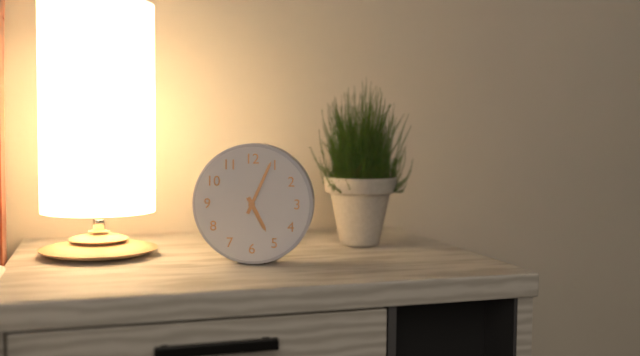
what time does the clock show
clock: 5:04
